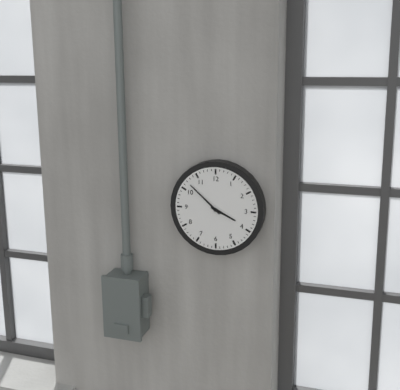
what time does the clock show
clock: 3:52
